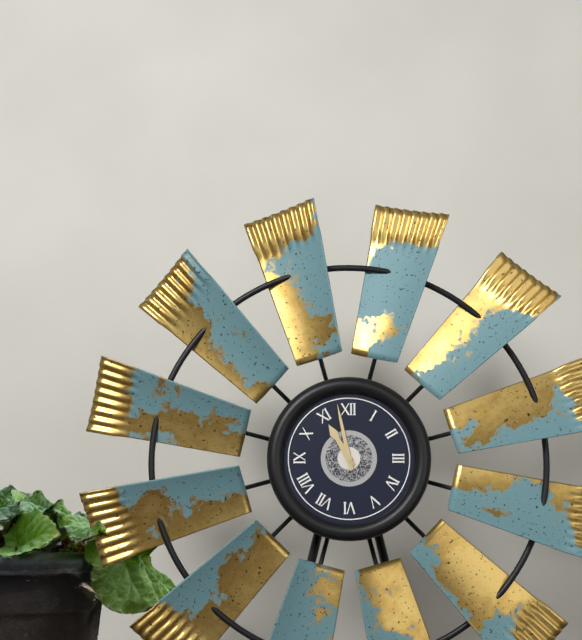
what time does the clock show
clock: 10:58
